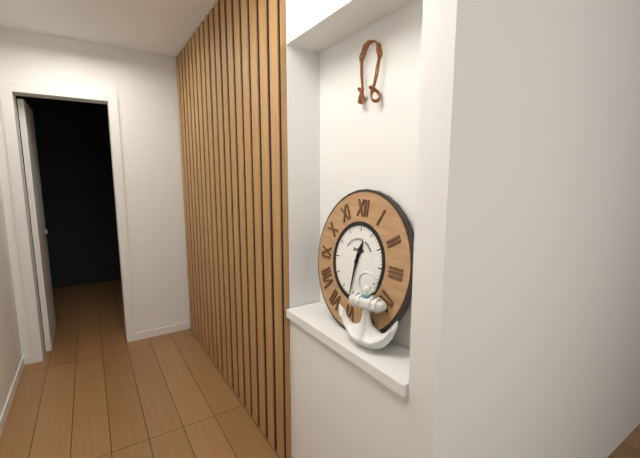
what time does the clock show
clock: 12:31
